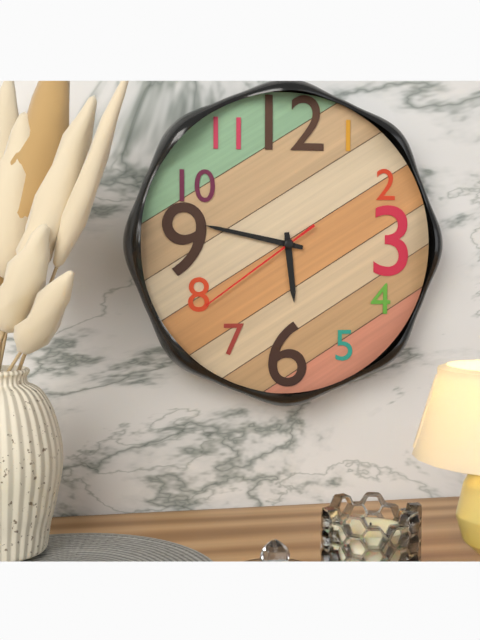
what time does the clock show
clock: 5:47:39
